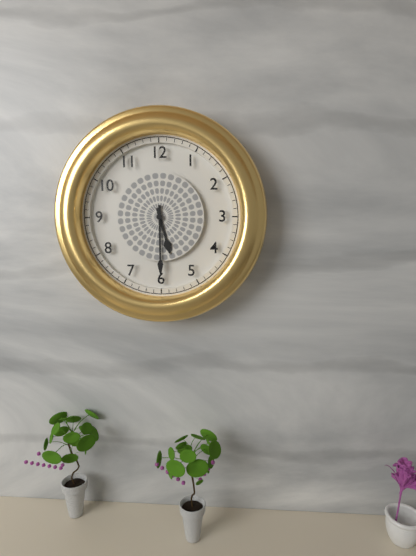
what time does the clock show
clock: 5:30
